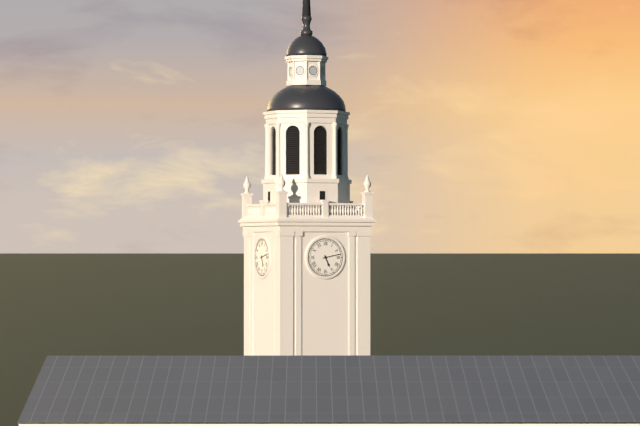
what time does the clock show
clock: 5:13
